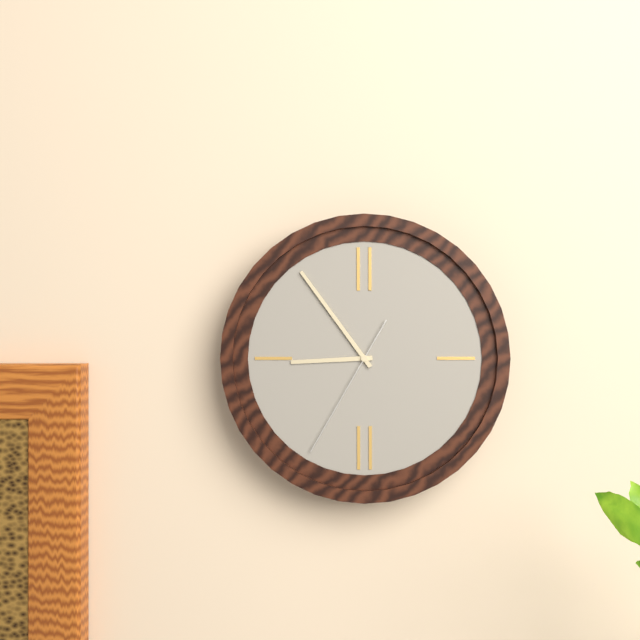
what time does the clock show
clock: 8:54:35
